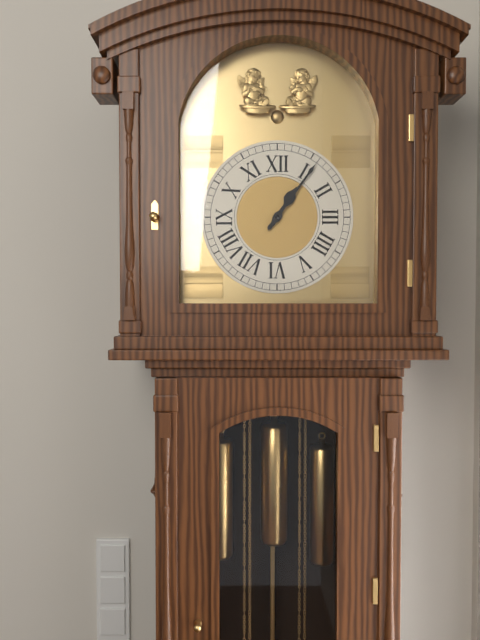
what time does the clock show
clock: 1:06
